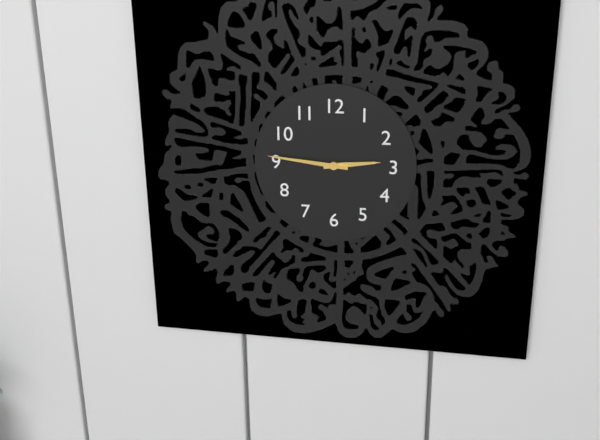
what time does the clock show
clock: 2:46
